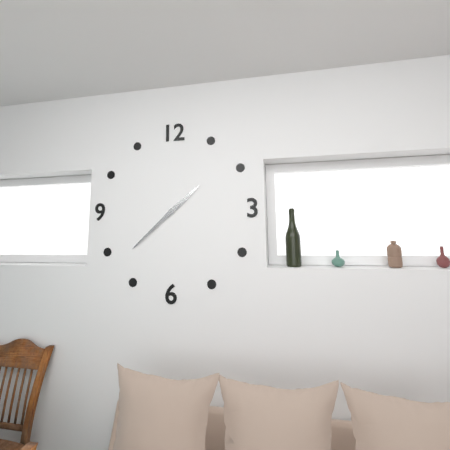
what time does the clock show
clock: 1:38
